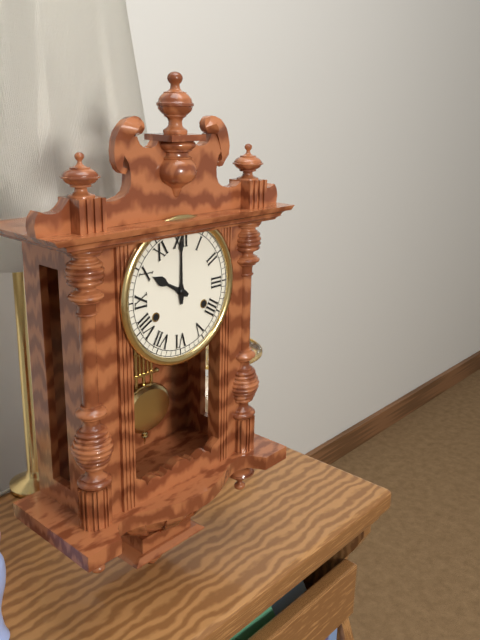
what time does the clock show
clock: 10:00
